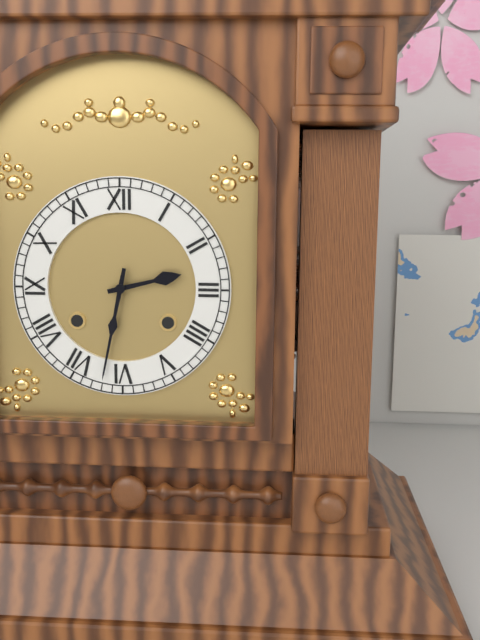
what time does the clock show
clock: 2:32
